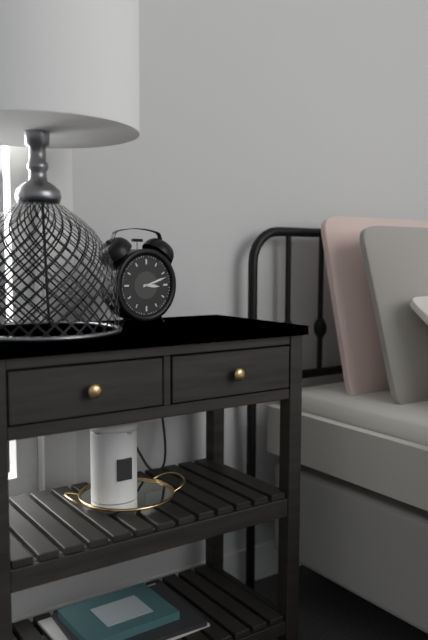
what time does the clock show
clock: 3:12
